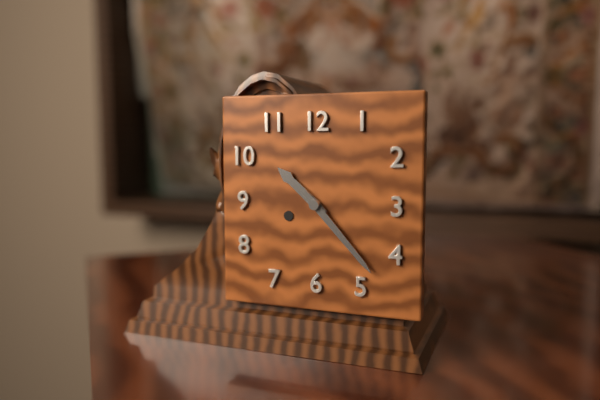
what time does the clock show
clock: 10:23
